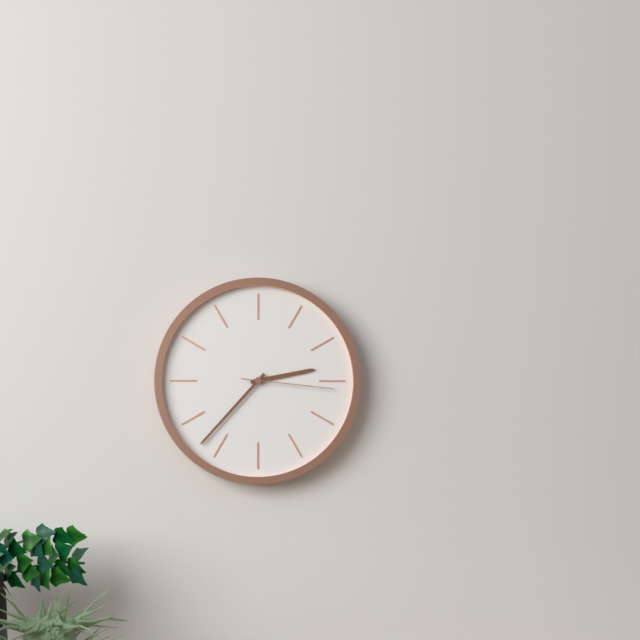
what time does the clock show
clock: 2:37:16
